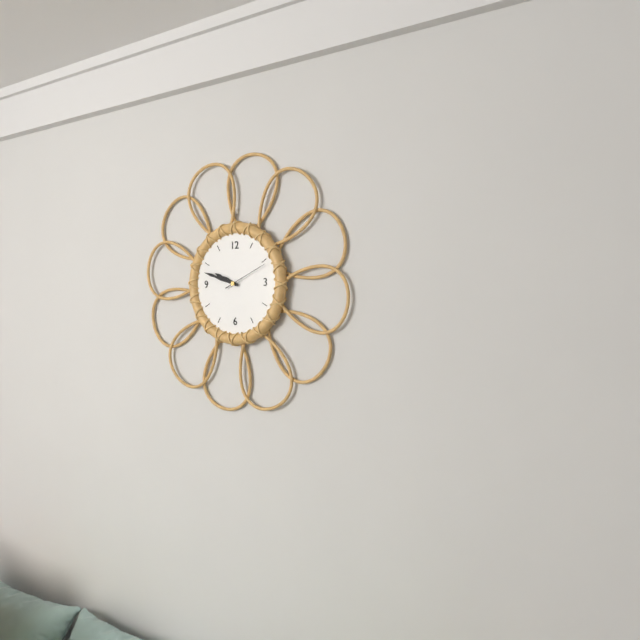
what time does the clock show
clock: 9:48
